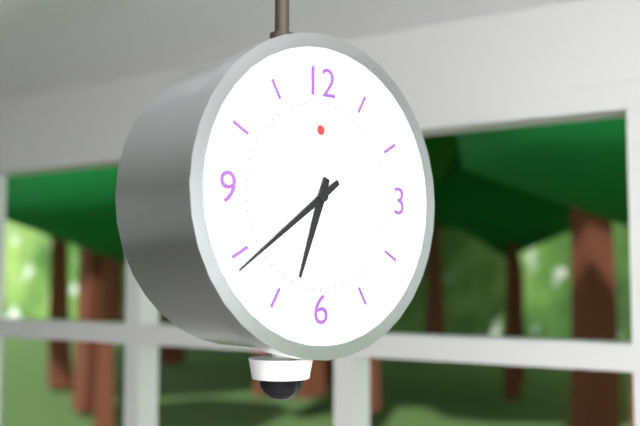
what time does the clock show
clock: 6:39
